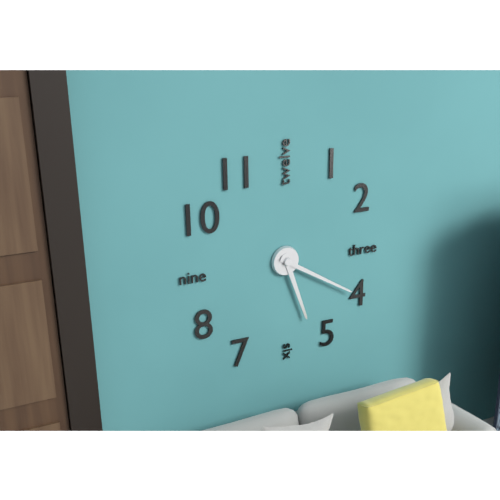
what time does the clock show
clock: 5:20
